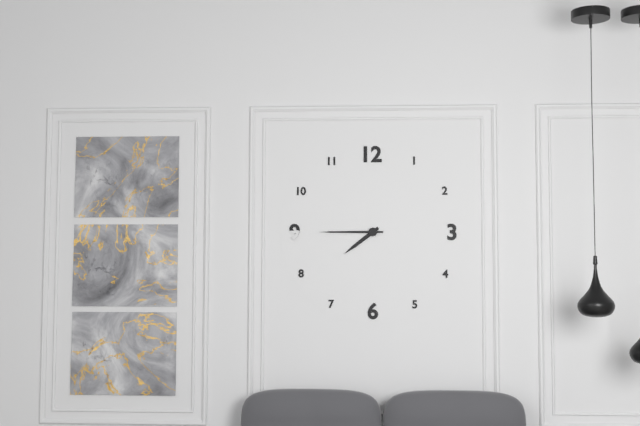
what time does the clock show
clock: 7:45
